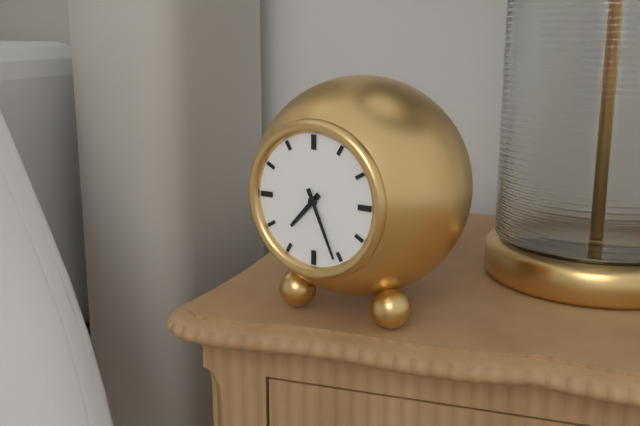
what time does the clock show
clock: 7:26
